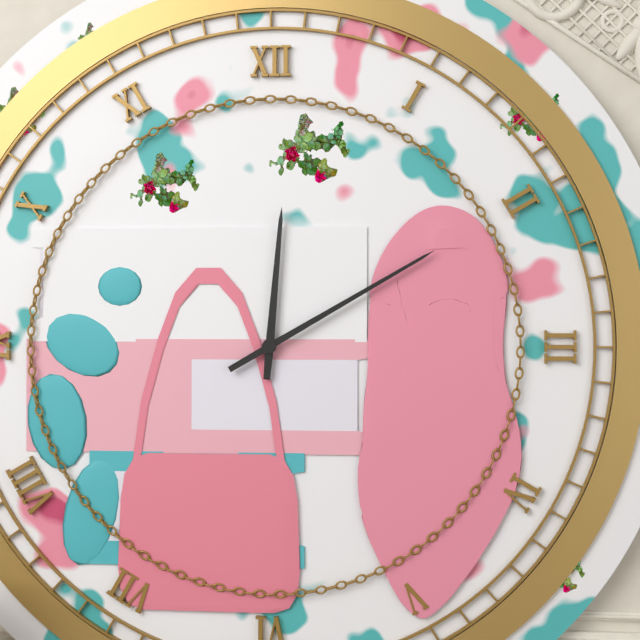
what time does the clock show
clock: 12:10
